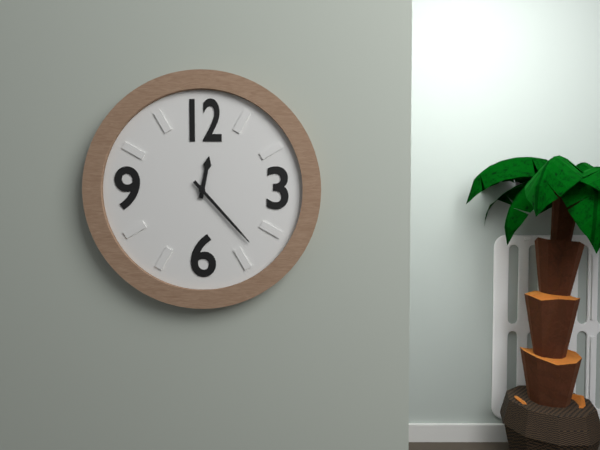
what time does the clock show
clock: 12:23
